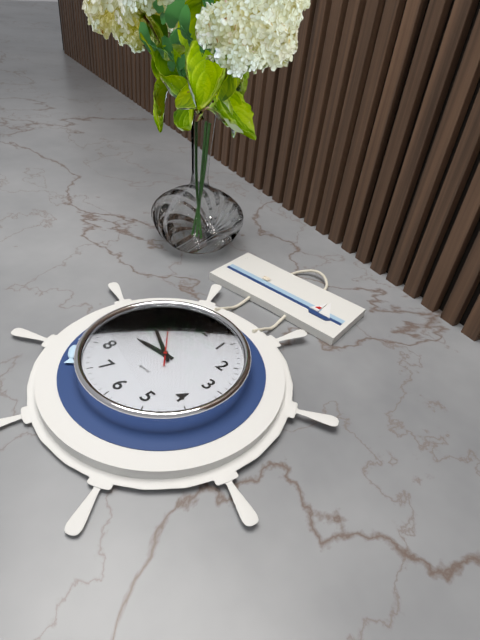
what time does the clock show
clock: 8:50:53
